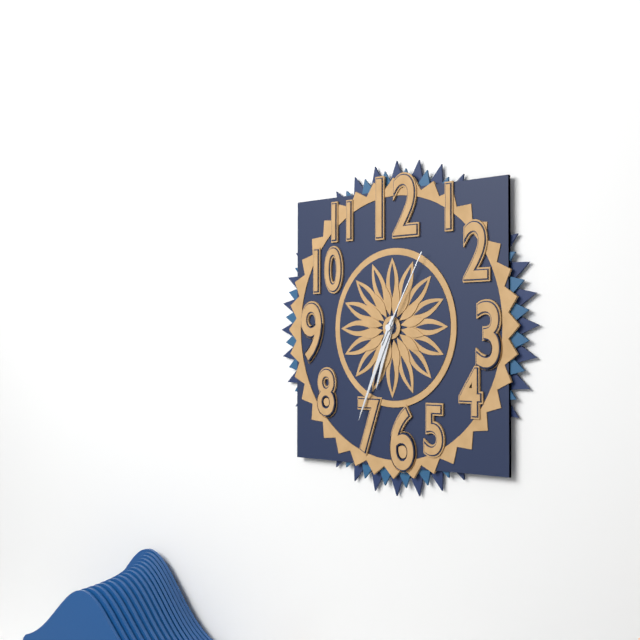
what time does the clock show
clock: 6:34:05
